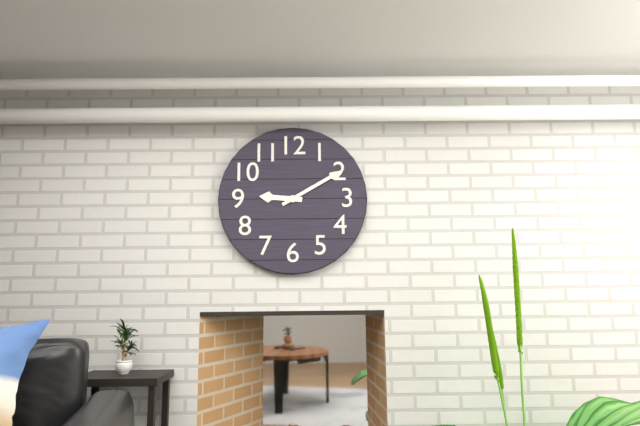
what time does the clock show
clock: 9:10
